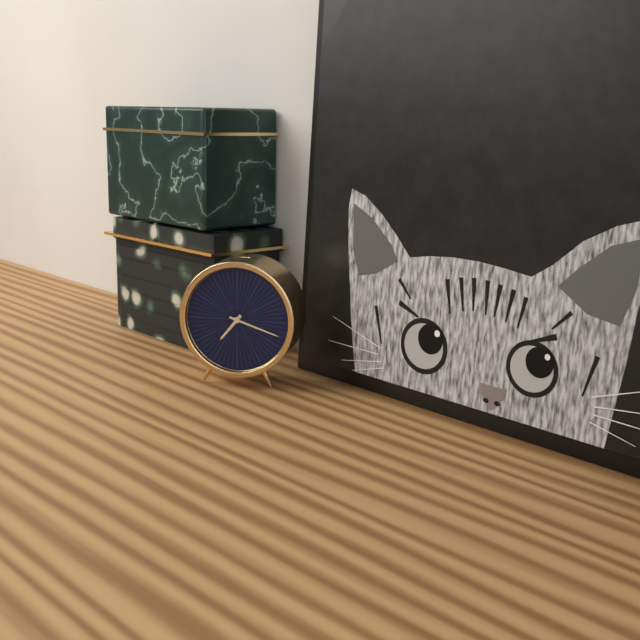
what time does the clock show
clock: 7:18
